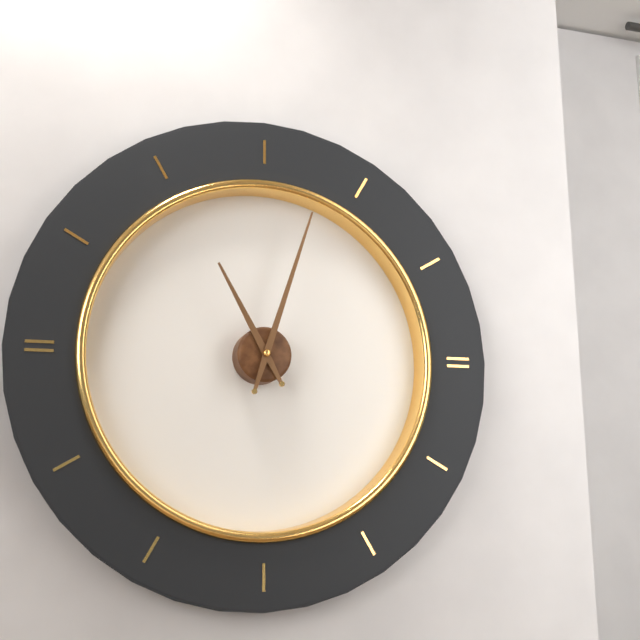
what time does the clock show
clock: 11:03
